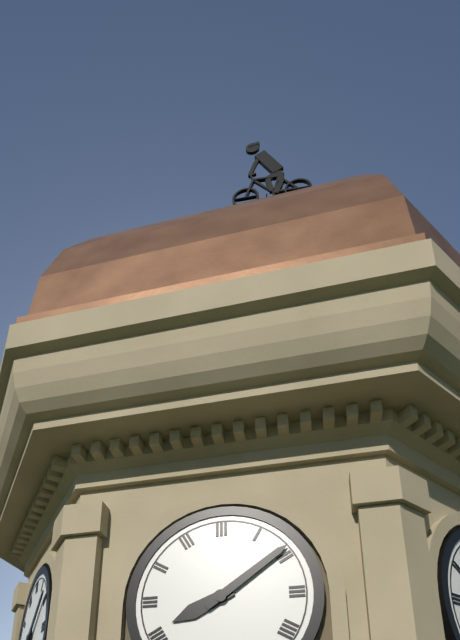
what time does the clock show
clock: 8:09
